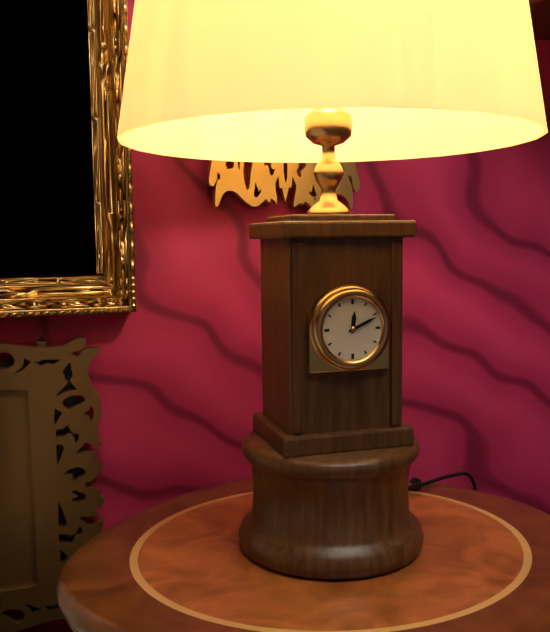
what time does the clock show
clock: 12:11
